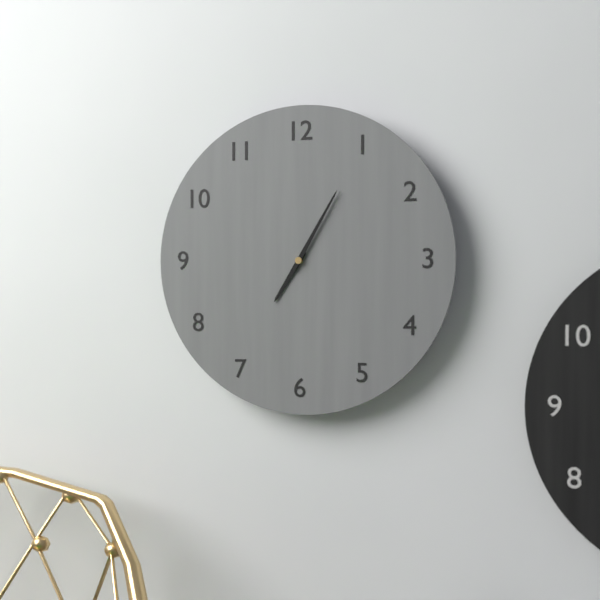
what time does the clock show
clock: 7:05
